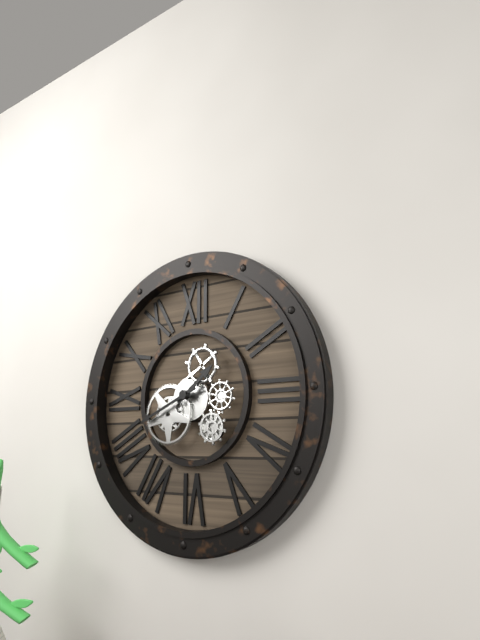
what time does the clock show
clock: 1:41
